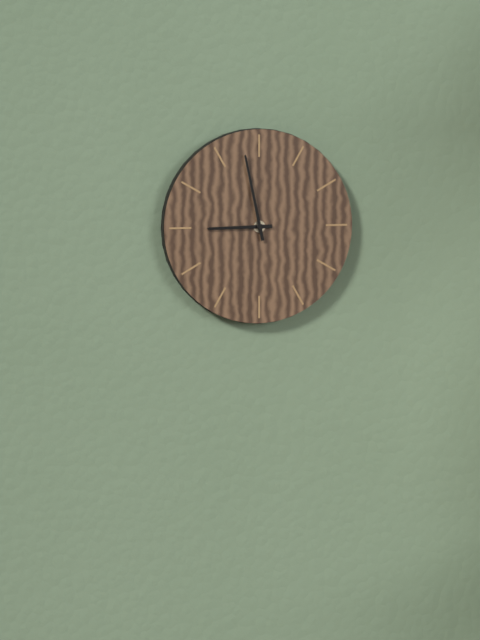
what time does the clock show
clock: 8:58
